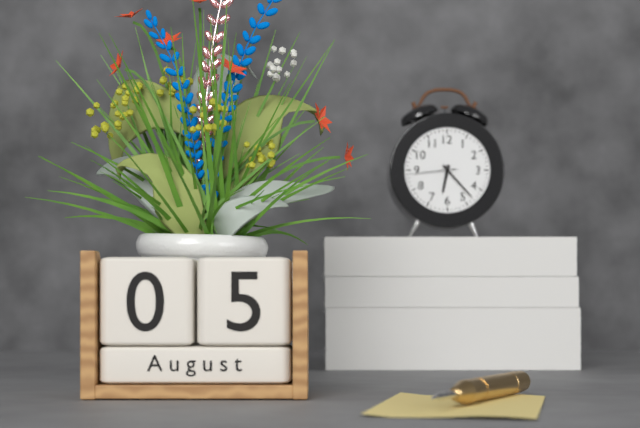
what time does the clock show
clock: 6:23
